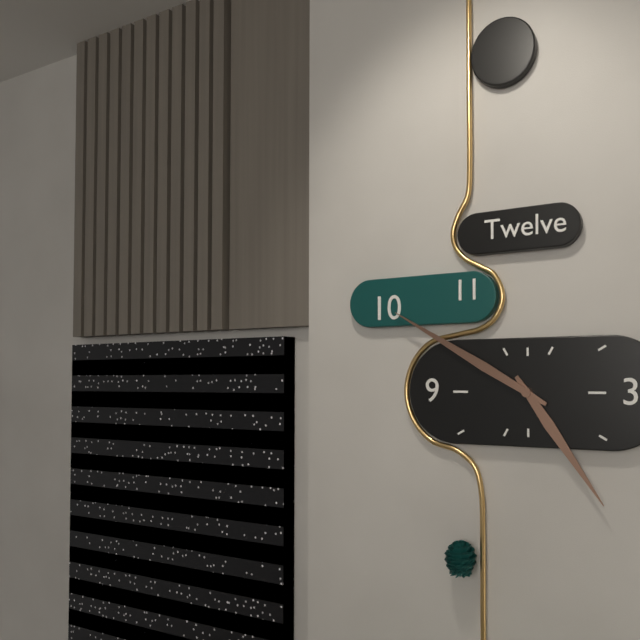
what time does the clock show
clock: 4:50
